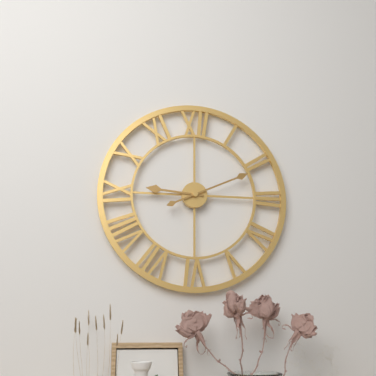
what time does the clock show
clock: 9:11
